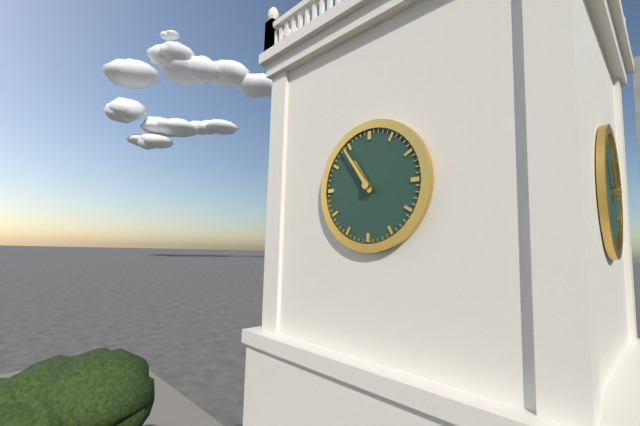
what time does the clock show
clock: 10:54
